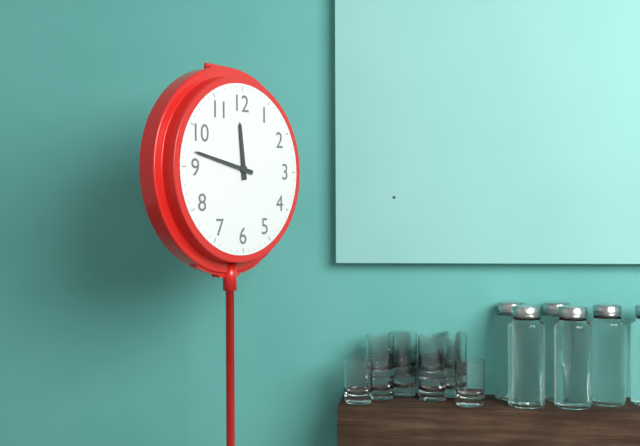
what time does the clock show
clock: 11:47
